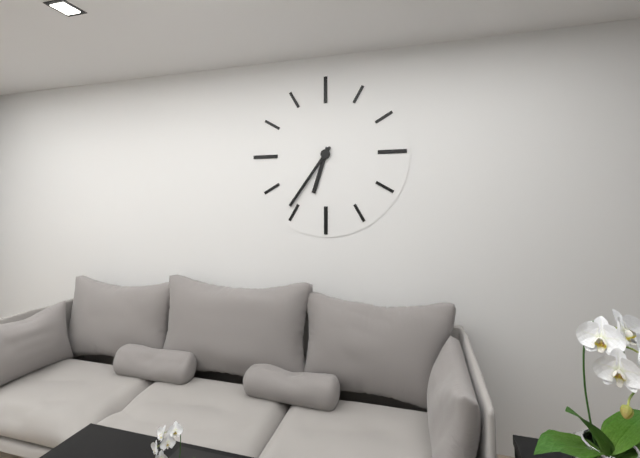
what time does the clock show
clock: 6:36
